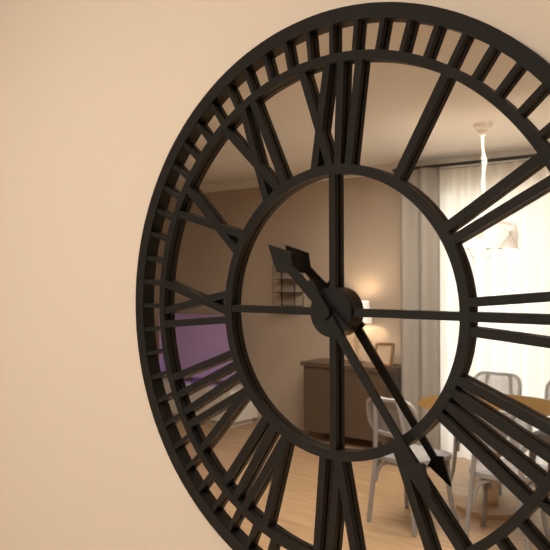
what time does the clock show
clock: 10:24
